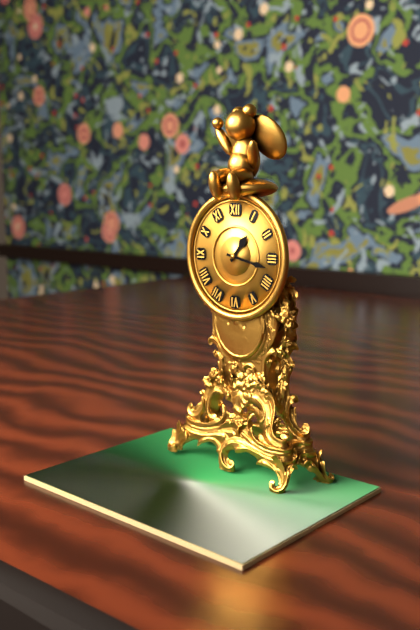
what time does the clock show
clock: 1:17
